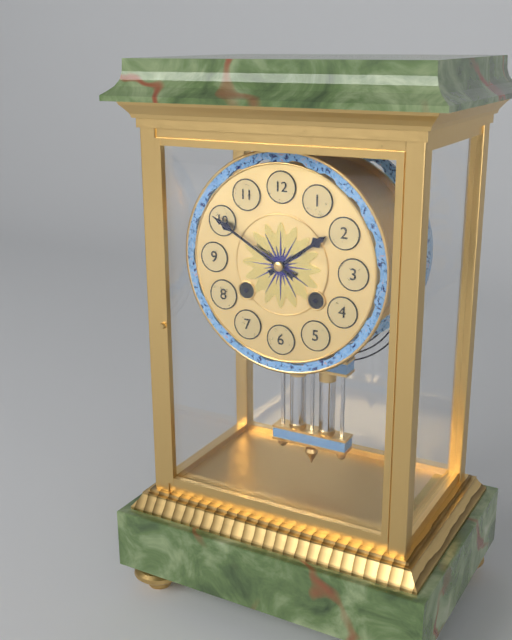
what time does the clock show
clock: 1:50
